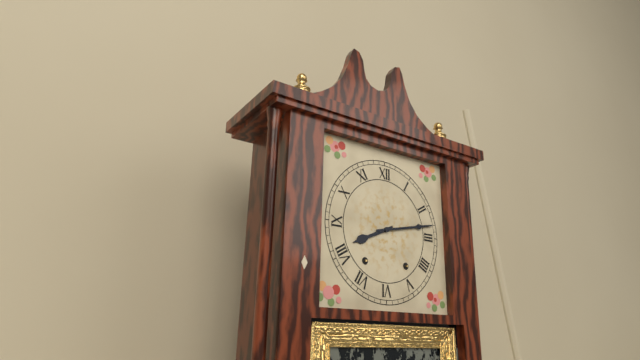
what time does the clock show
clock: 8:13
